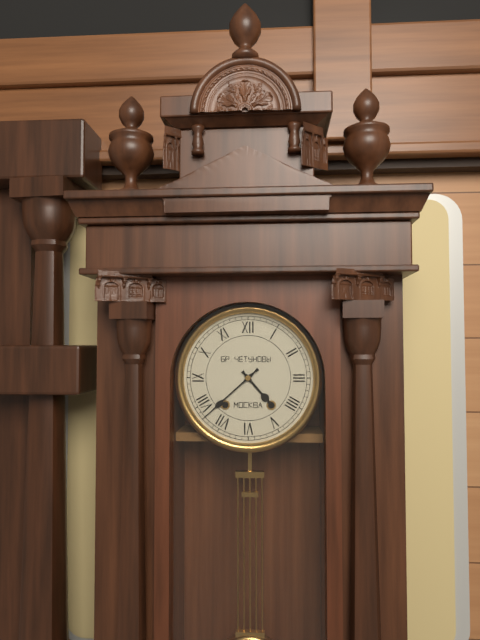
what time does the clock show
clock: 4:38
